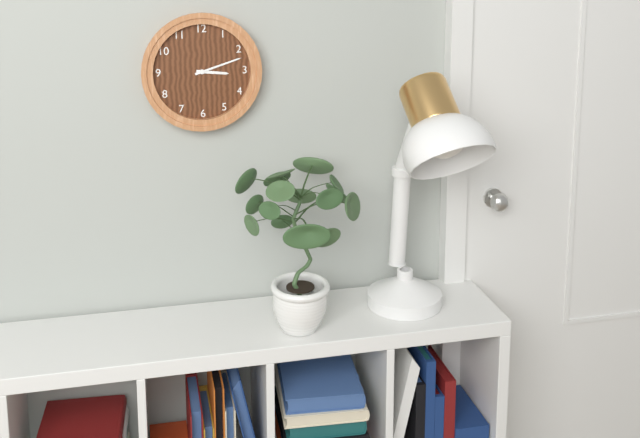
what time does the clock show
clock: 3:12
